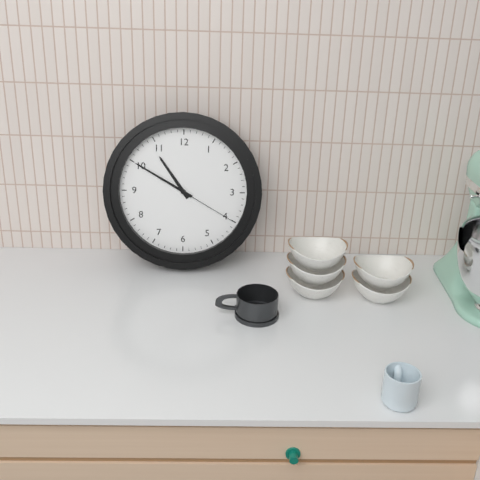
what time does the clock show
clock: 10:50:20
